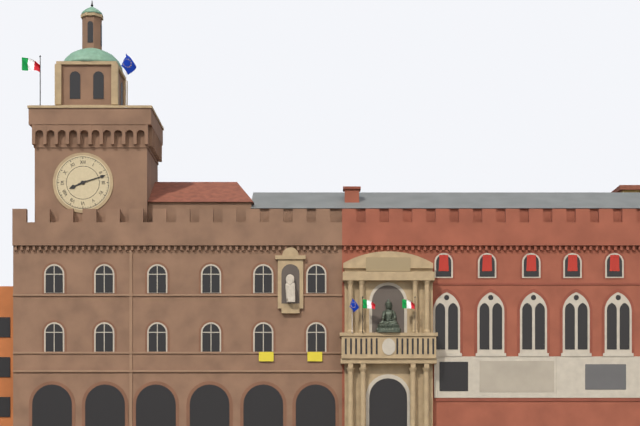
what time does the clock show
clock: 8:12
